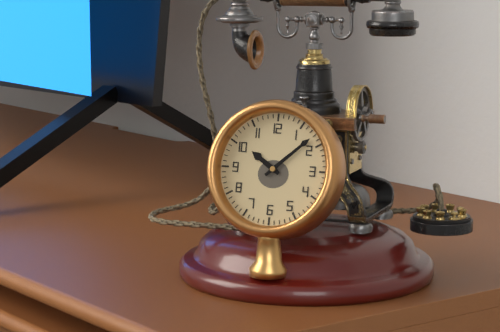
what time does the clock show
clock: 10:08
